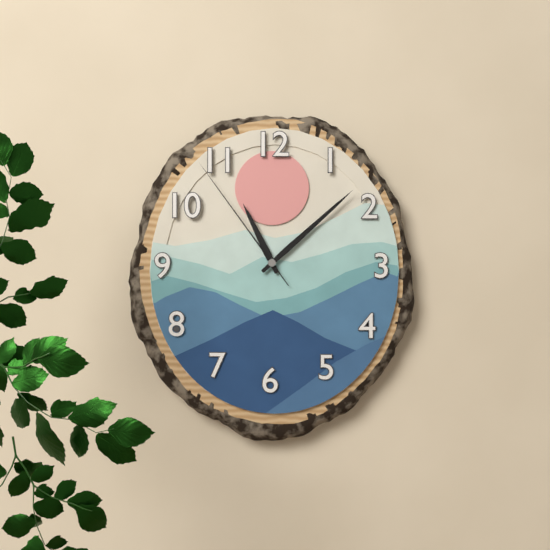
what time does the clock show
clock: 11:08:54
